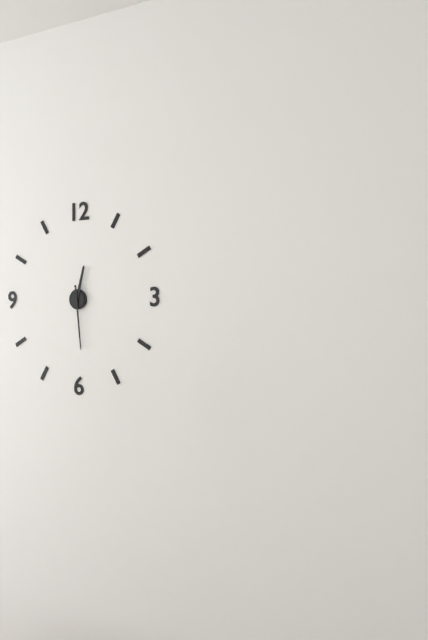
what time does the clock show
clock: 12:29
